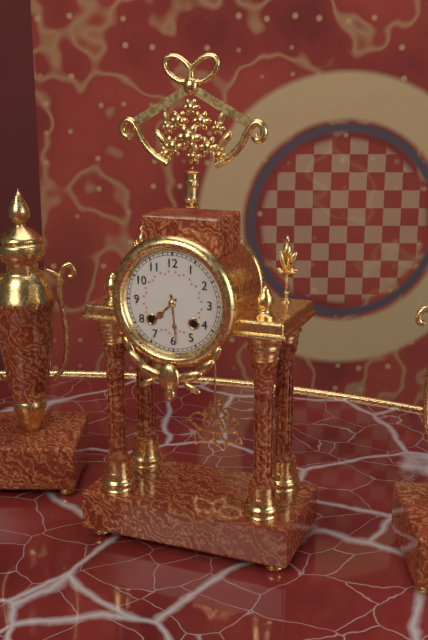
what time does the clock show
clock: 7:29
